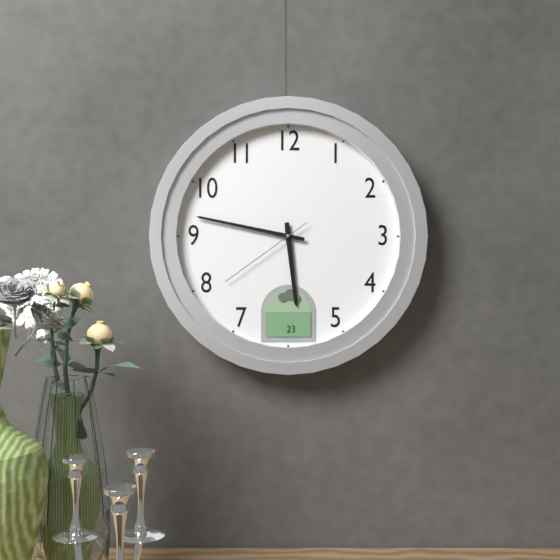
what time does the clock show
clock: 5:47:39
